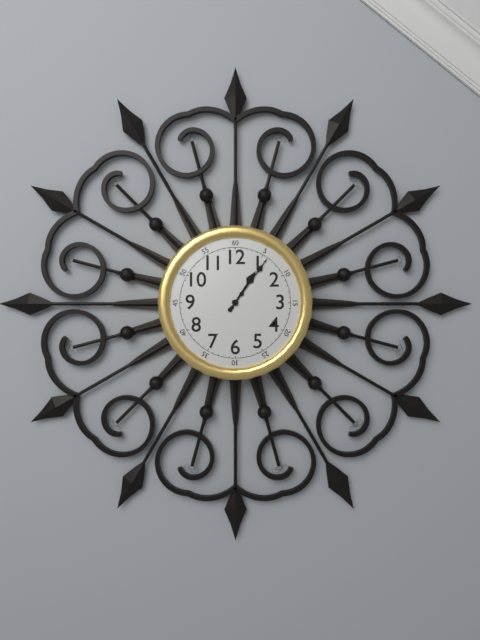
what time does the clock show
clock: 1:06
